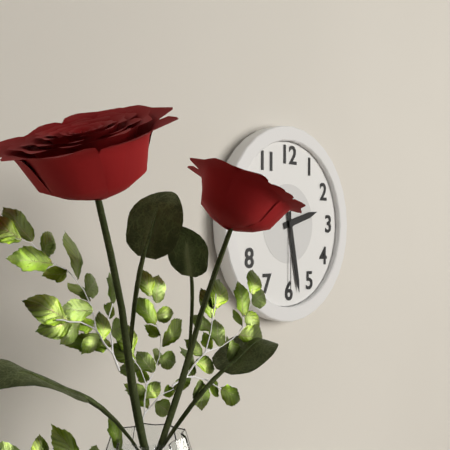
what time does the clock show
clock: 2:28:30
